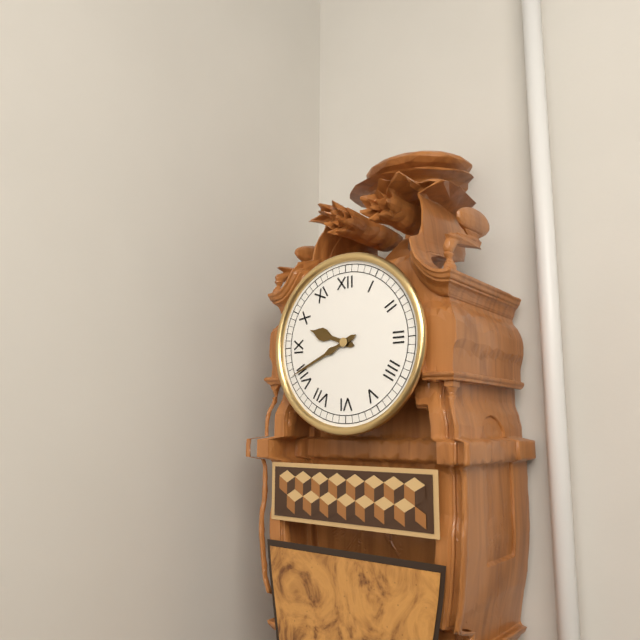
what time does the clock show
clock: 9:41
